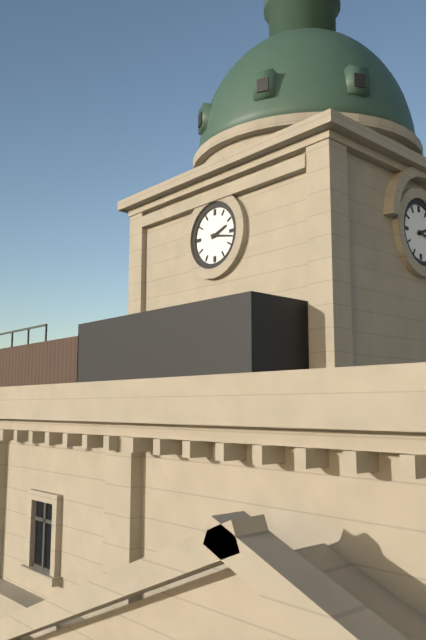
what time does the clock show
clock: 2:17
